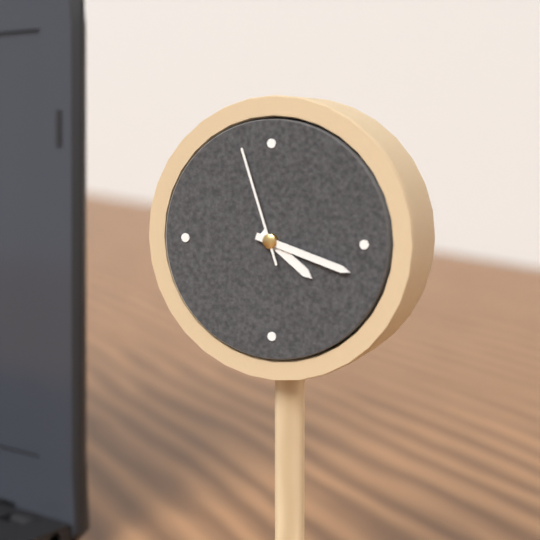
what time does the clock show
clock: 4:18:57
